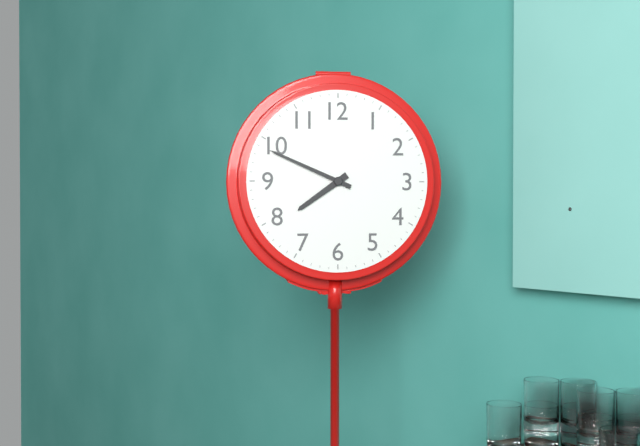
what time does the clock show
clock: 7:49
